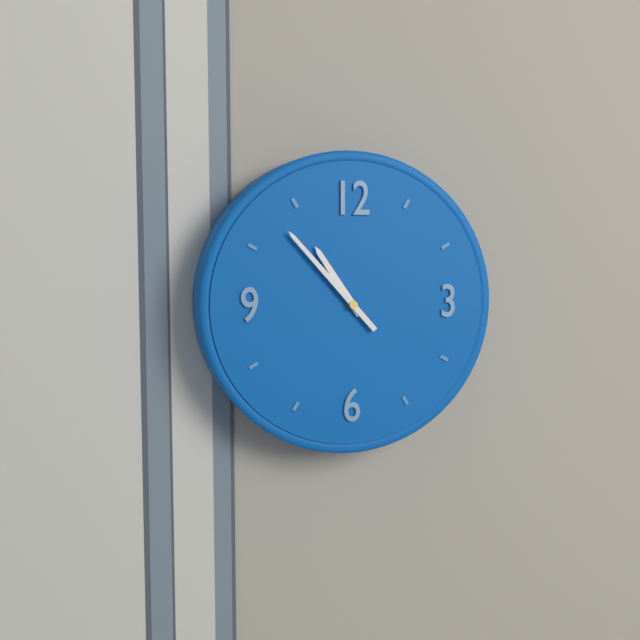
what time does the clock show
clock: 10:53
